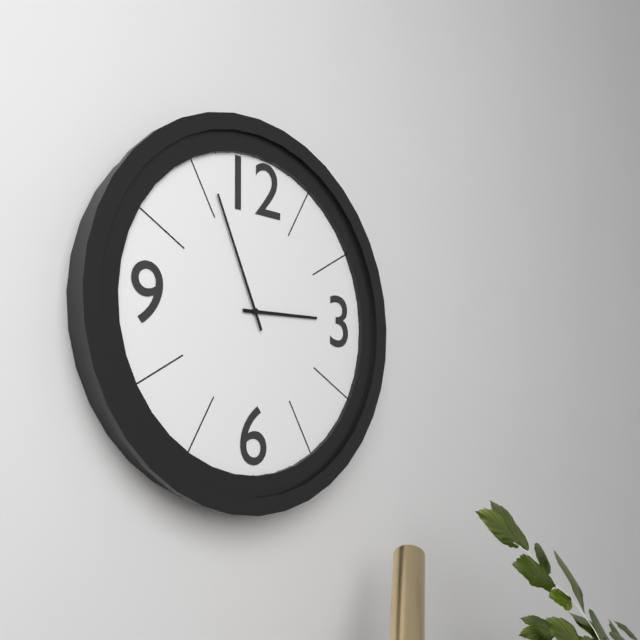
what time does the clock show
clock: 2:56
